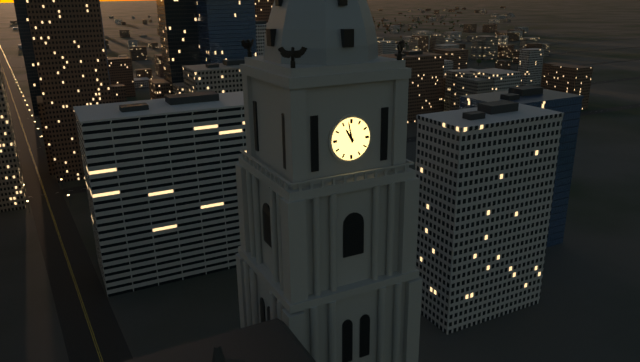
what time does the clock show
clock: 10:58
